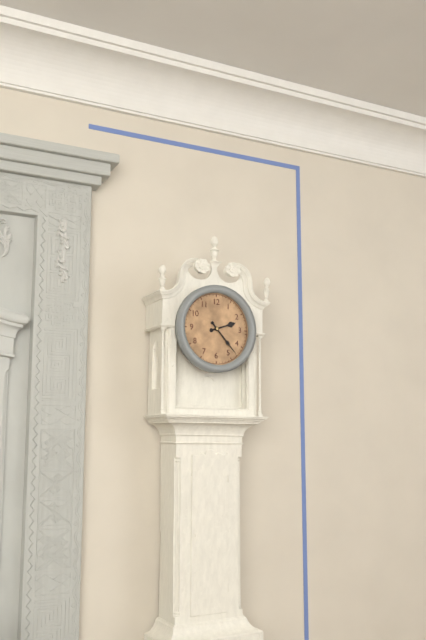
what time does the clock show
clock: 2:23
